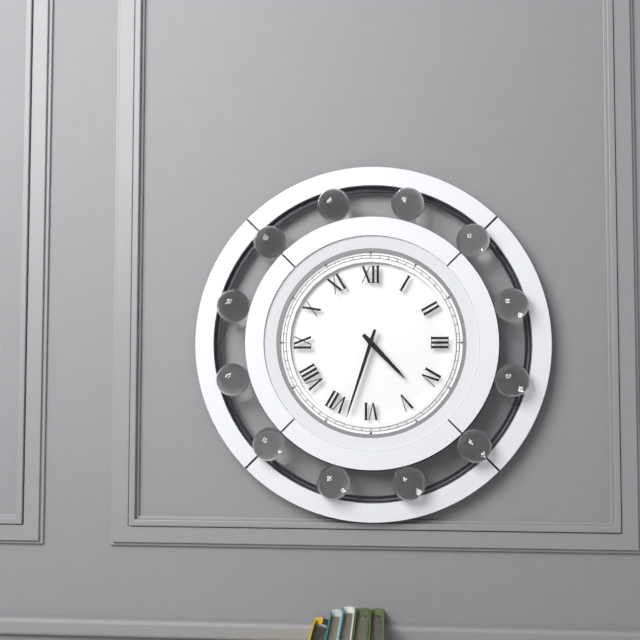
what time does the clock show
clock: 4:33
